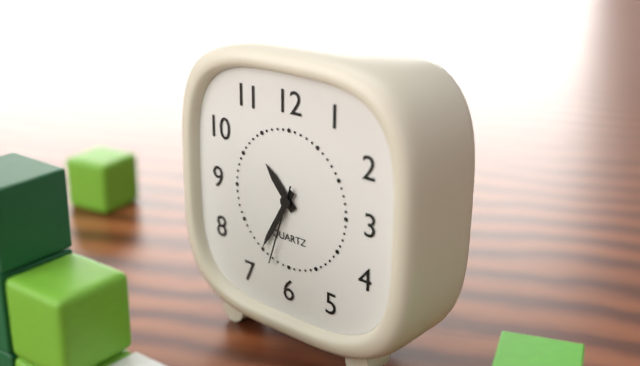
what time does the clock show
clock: 10:35:33
